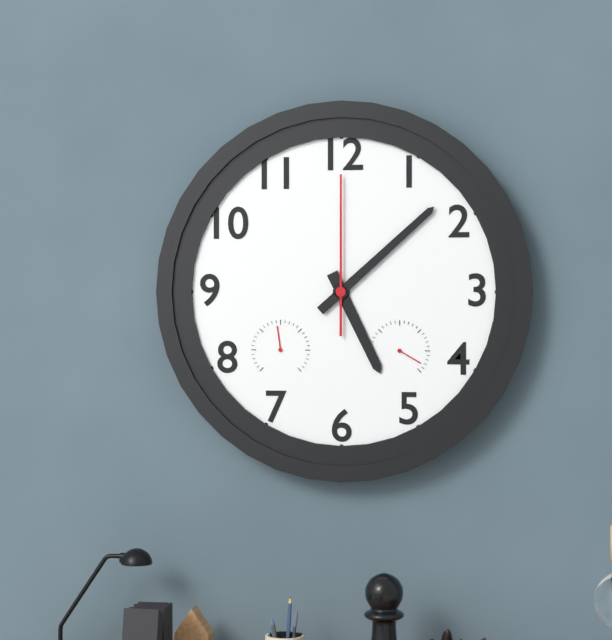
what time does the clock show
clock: 5:08:00
